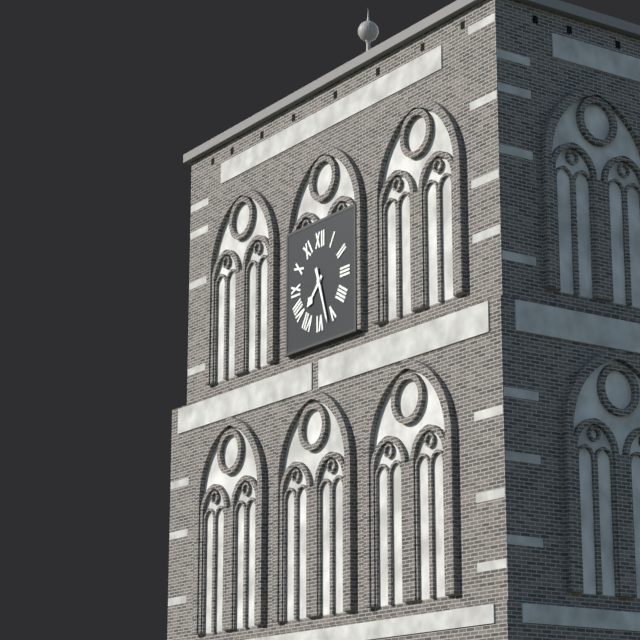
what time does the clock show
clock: 7:27
